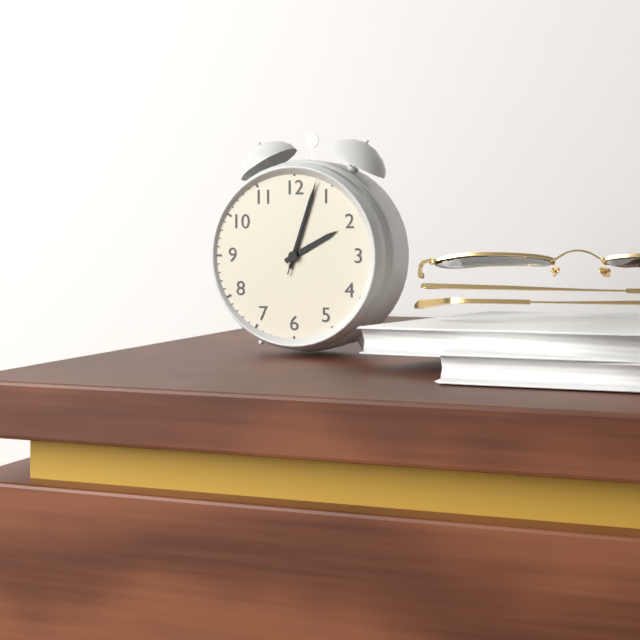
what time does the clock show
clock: 2:03:03
